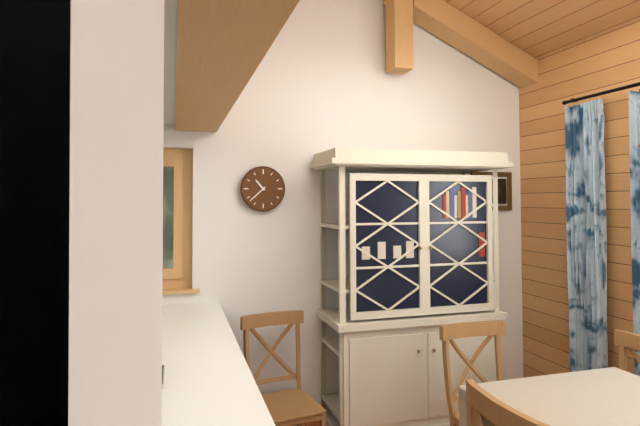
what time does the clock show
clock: 10:38
